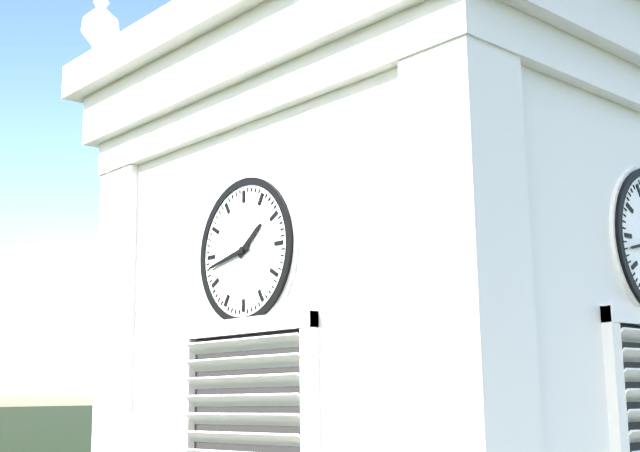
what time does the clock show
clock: 1:43
